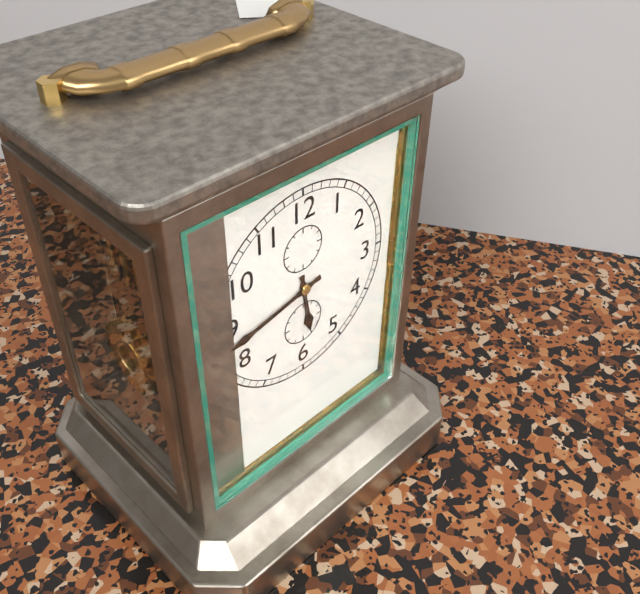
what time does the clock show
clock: 5:43
